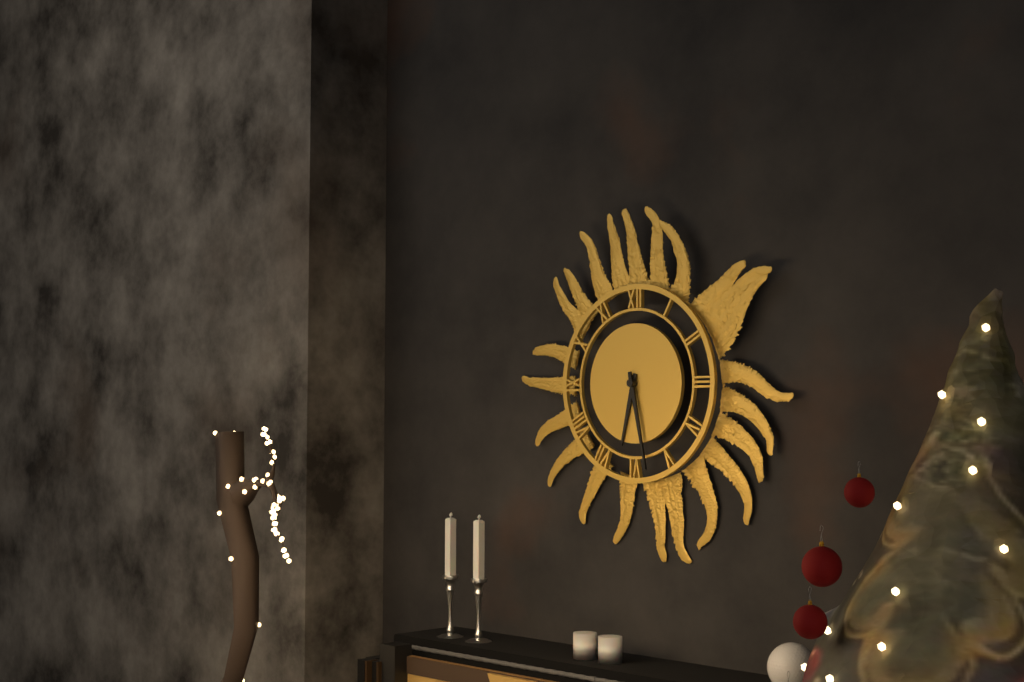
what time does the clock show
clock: 6:28
